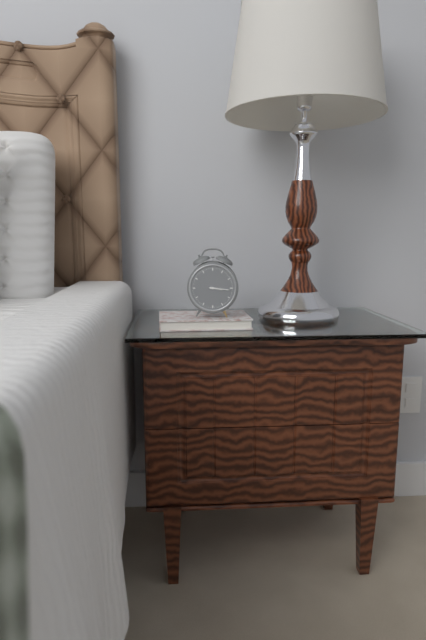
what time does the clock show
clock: 3:16
